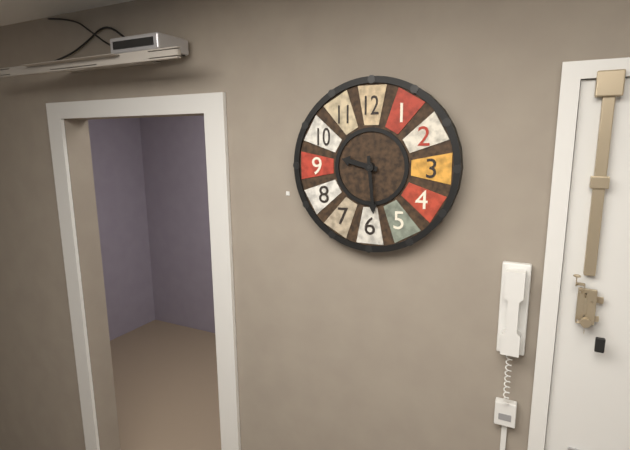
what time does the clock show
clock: 9:29
